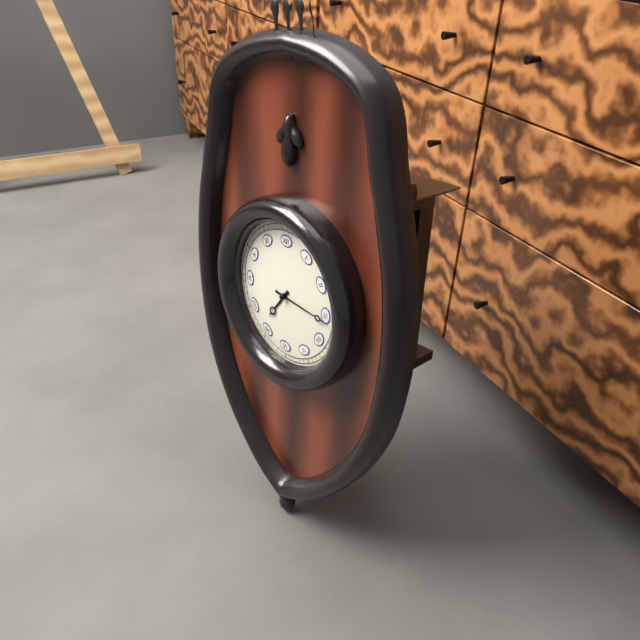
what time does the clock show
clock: 7:16
